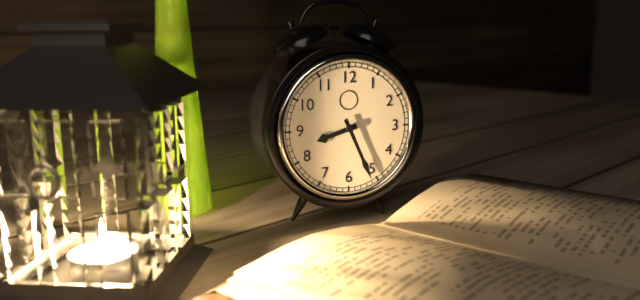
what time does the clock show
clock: 8:26
